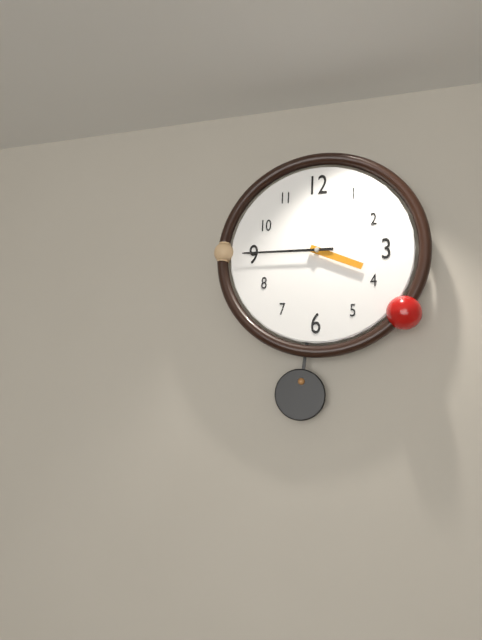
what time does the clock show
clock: 3:45
